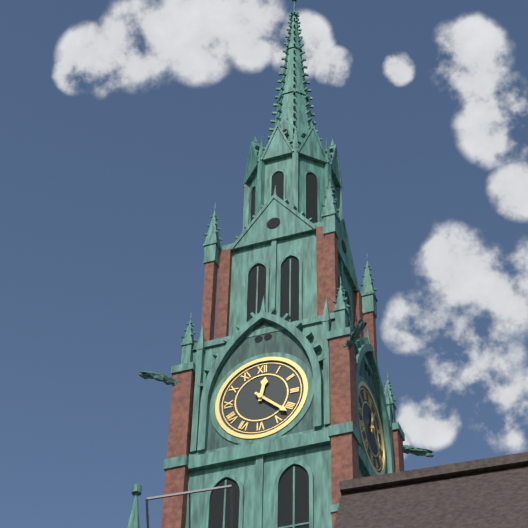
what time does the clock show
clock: 12:22
